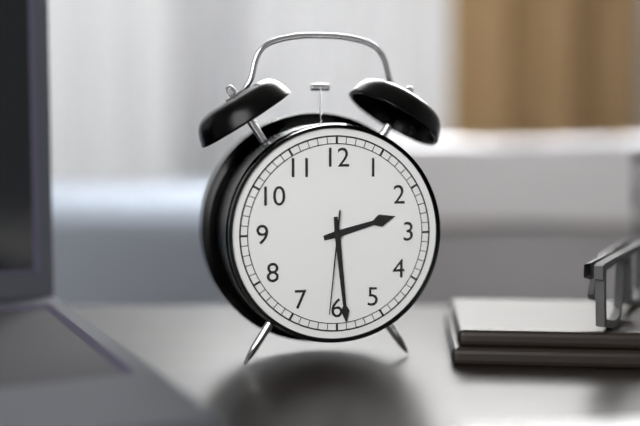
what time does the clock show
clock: 2:29:31
